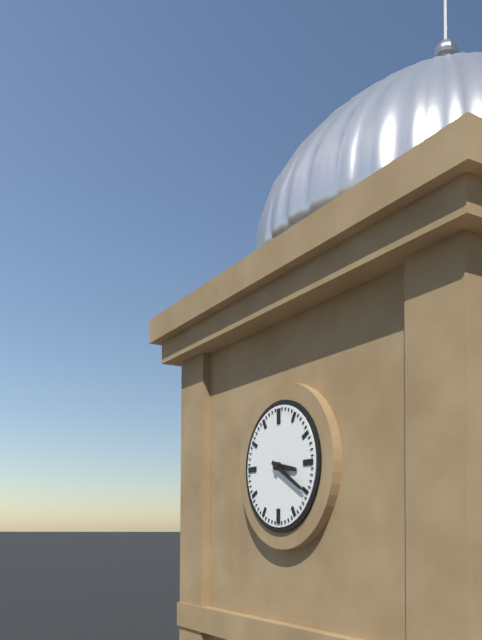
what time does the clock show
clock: 3:20
